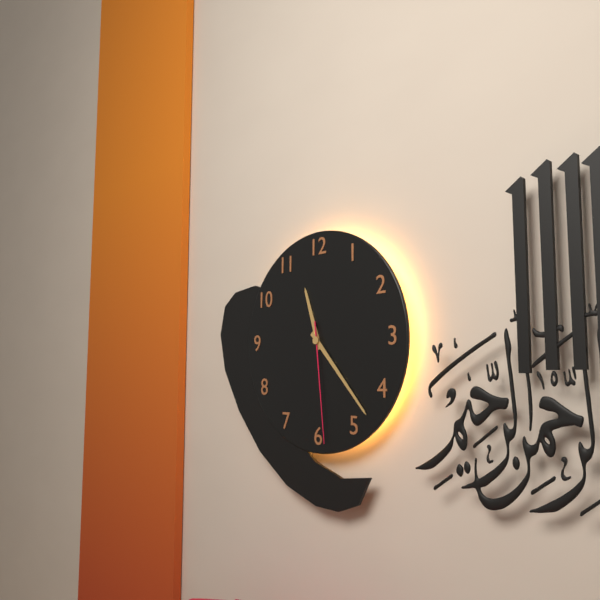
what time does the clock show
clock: 11:23:29
